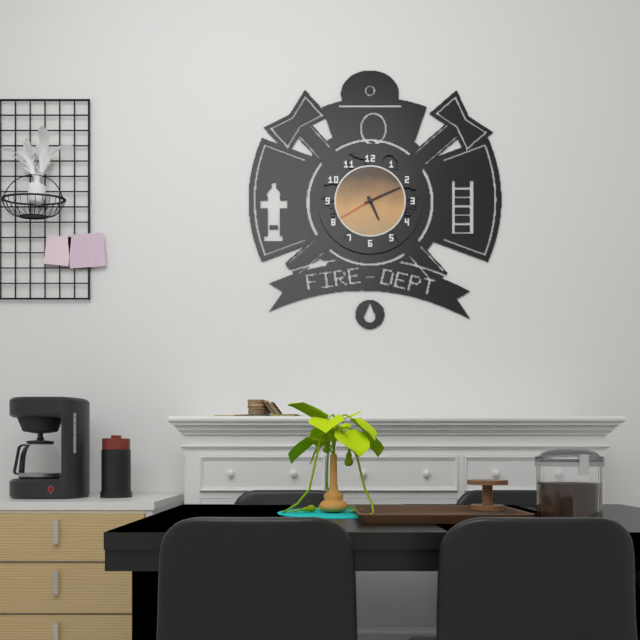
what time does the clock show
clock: 5:11
